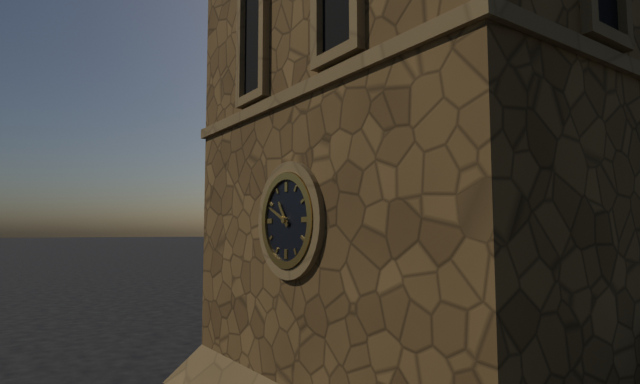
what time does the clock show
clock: 10:49
